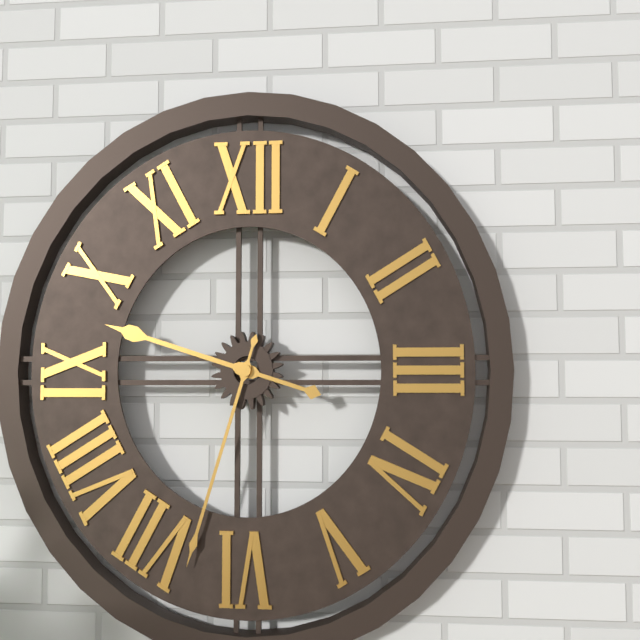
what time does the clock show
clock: 9:33
